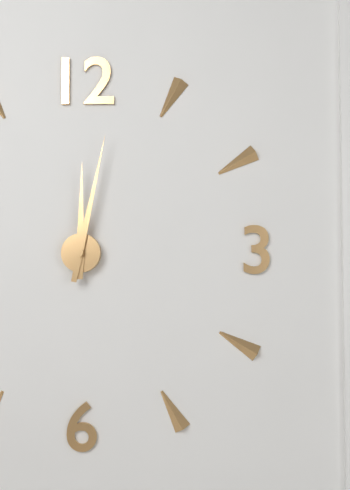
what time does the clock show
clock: 12:02
